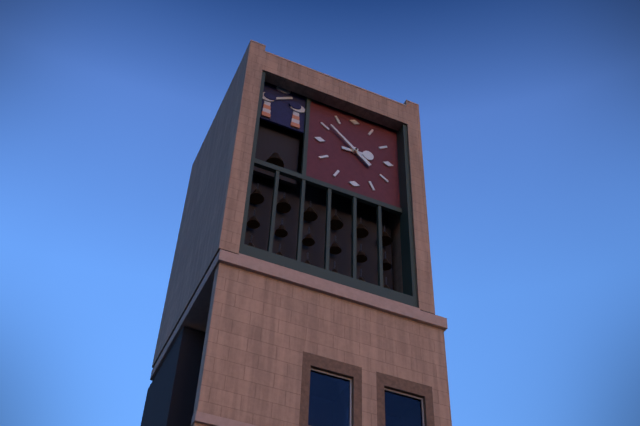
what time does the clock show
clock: 2:52
